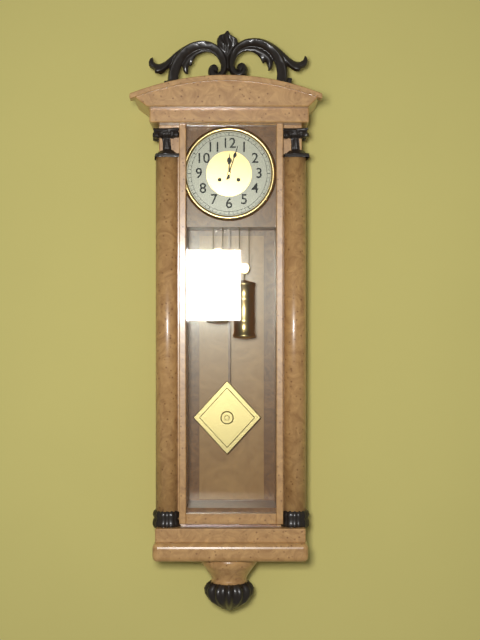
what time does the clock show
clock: 12:03
